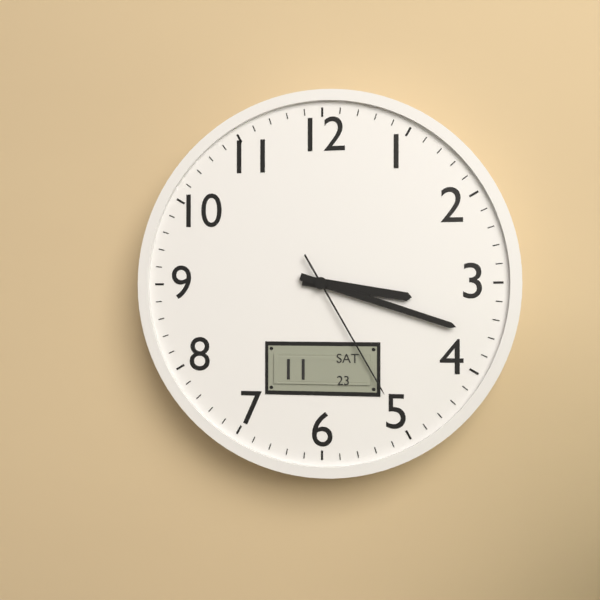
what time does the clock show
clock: 3:18:25
